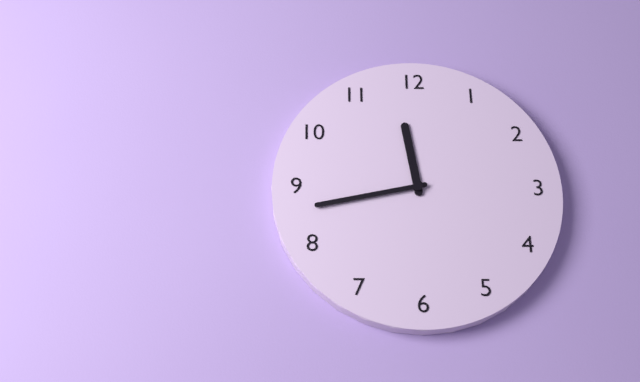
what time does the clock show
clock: 11:43
